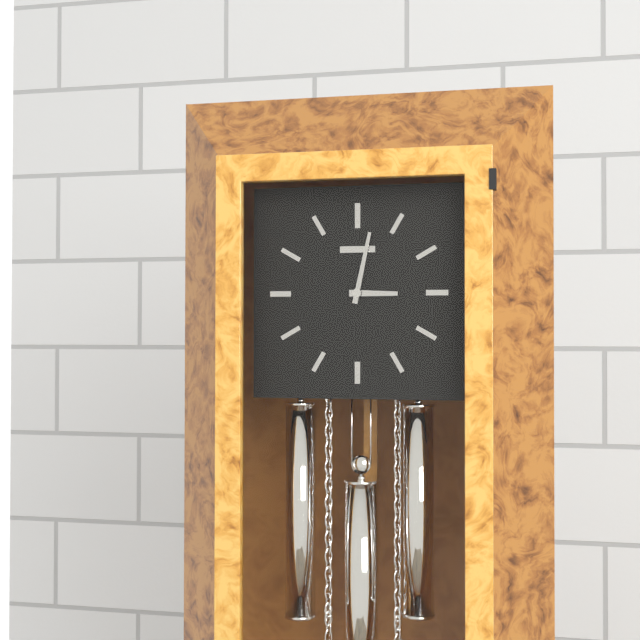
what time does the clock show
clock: 3:02
